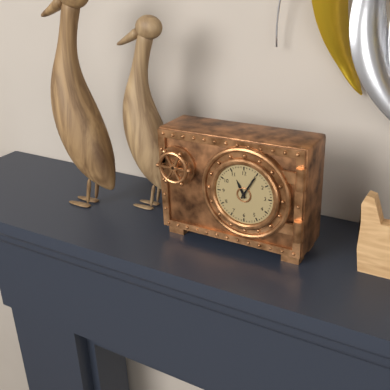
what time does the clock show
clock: 11:05
